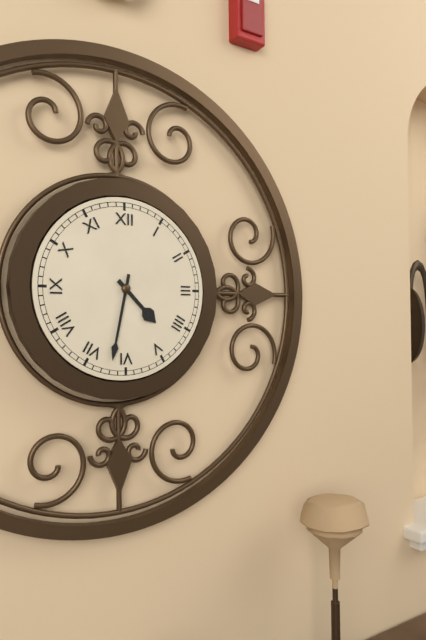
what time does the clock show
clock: 4:32
